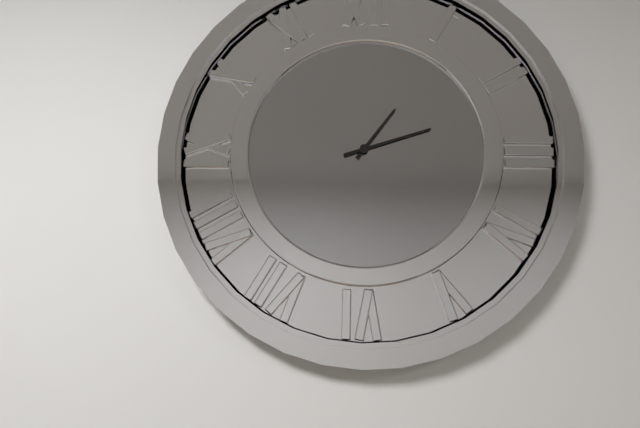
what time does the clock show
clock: 1:12
